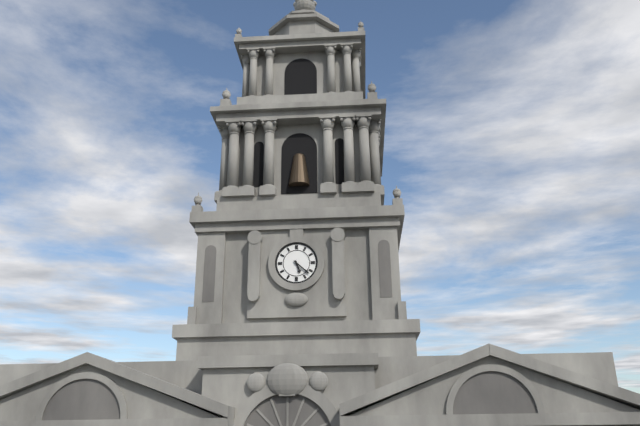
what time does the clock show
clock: 5:22
